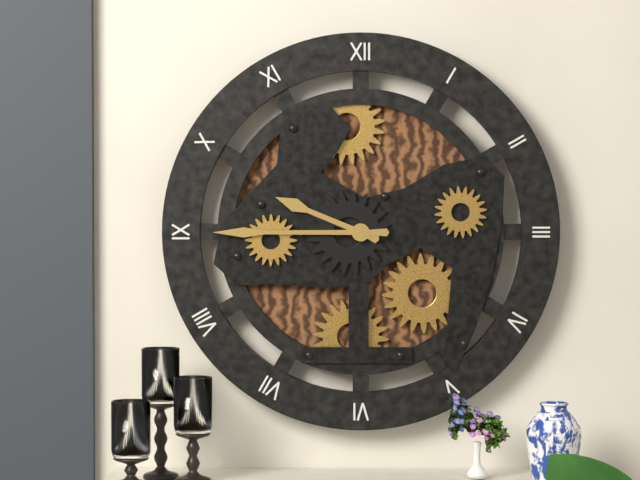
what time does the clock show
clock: 9:45
